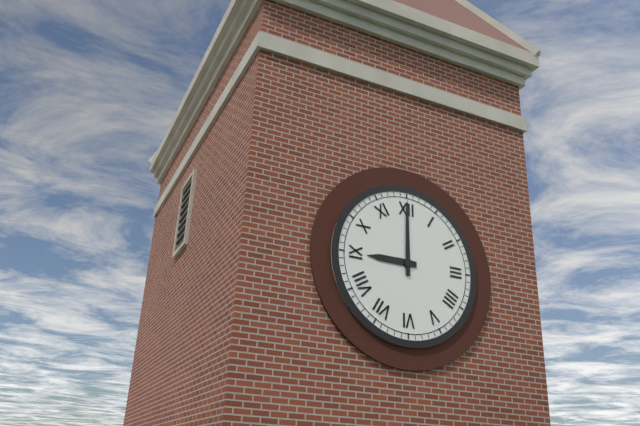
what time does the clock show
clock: 9:00
